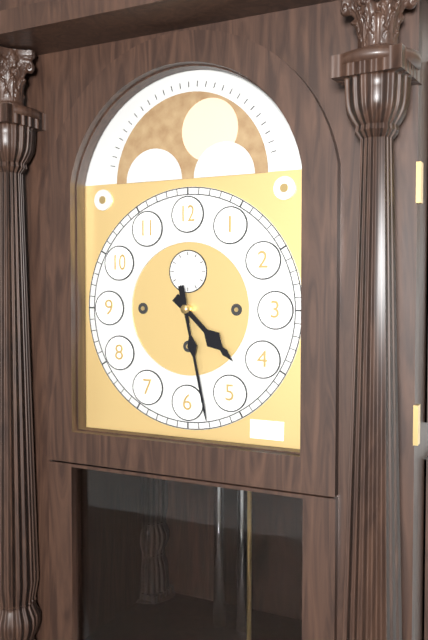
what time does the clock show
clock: 4:28
